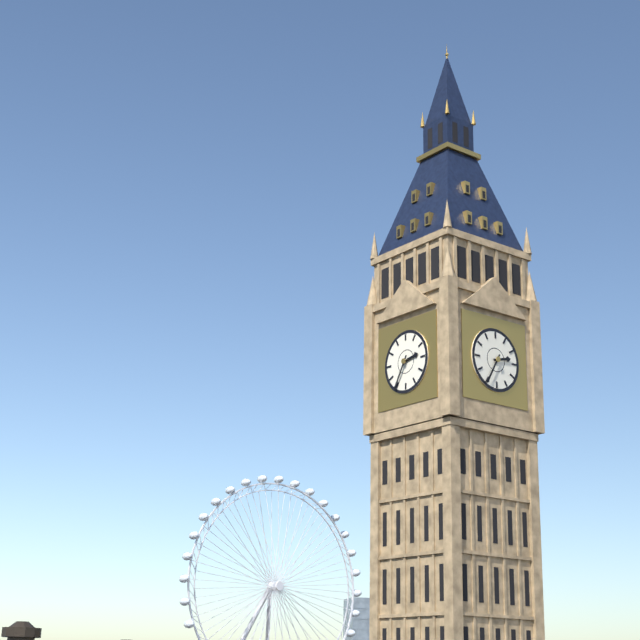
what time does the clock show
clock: 2:35
